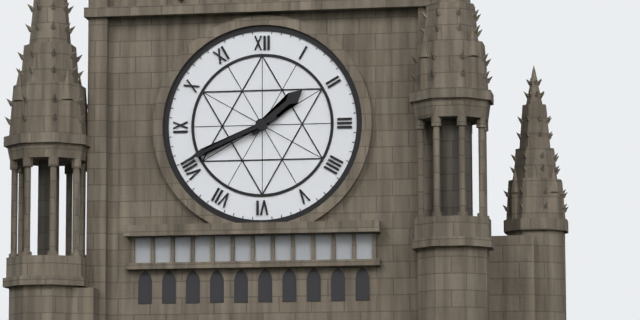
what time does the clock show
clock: 1:41
